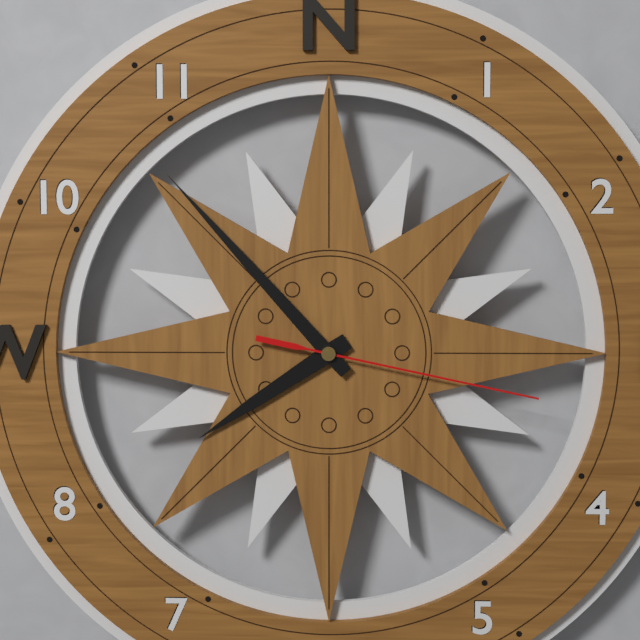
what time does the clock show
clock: 7:53:17
